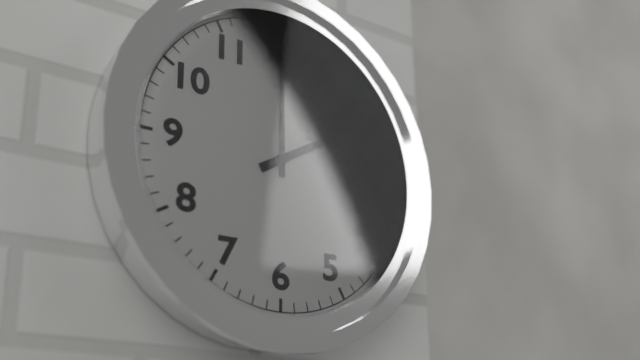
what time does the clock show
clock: 2:00
